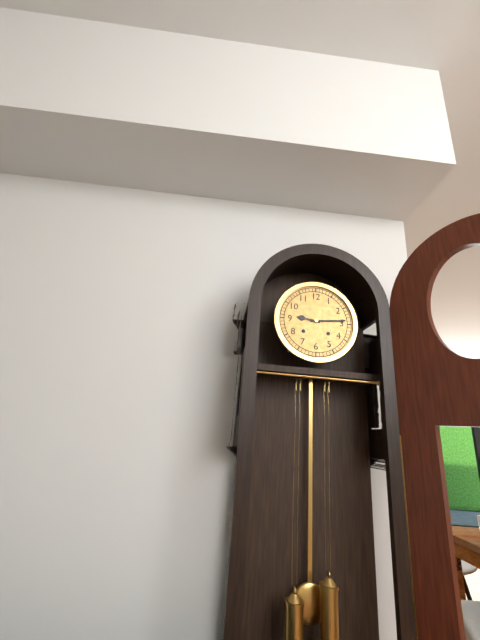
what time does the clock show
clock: 9:14
